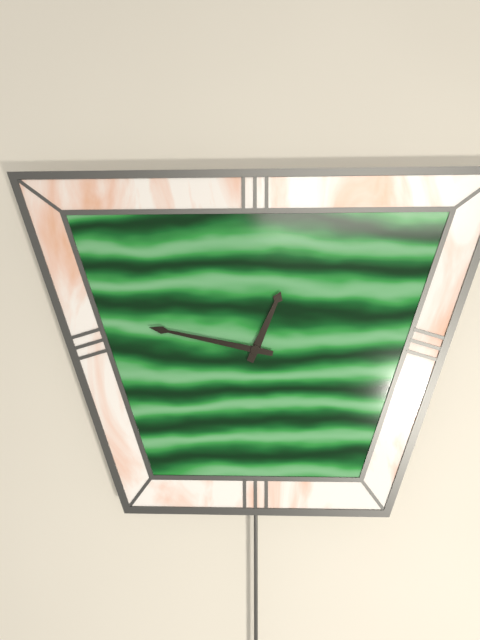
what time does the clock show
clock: 12:47
